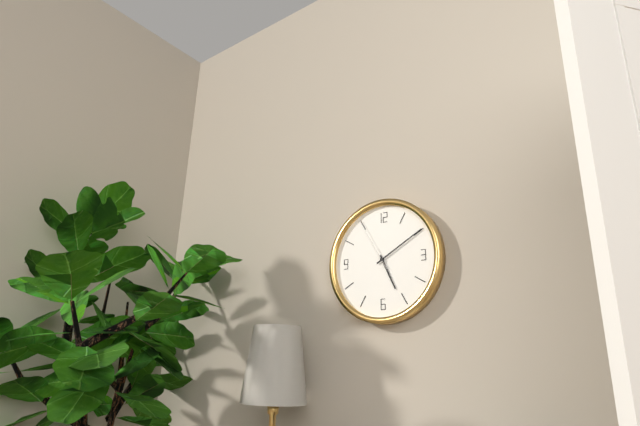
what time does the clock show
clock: 5:10:55
